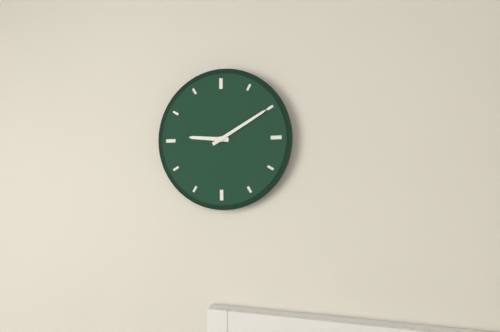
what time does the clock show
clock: 9:10
